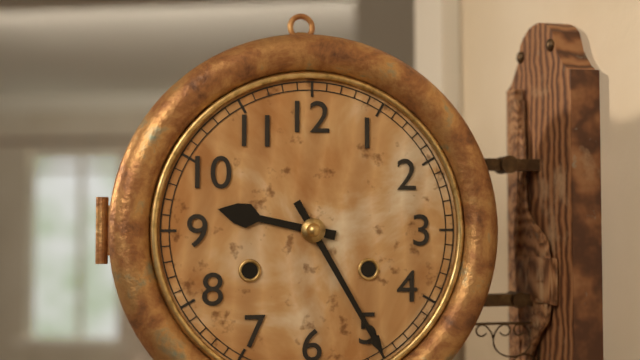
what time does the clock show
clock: 9:25
